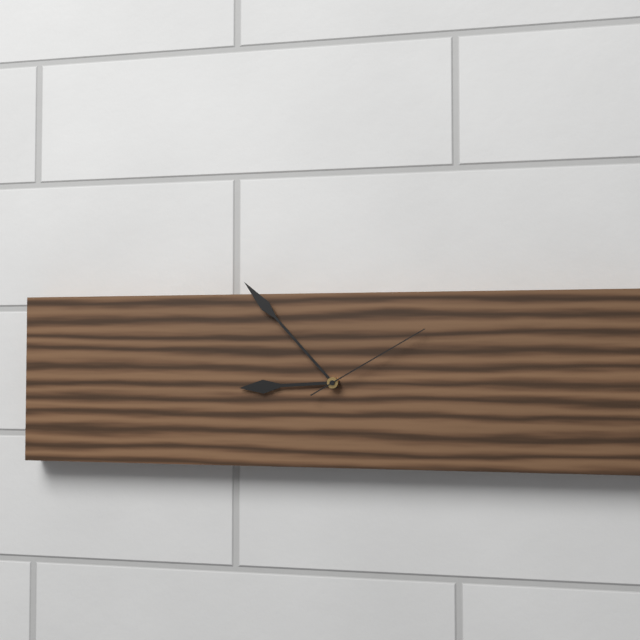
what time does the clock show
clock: 8:53:10
